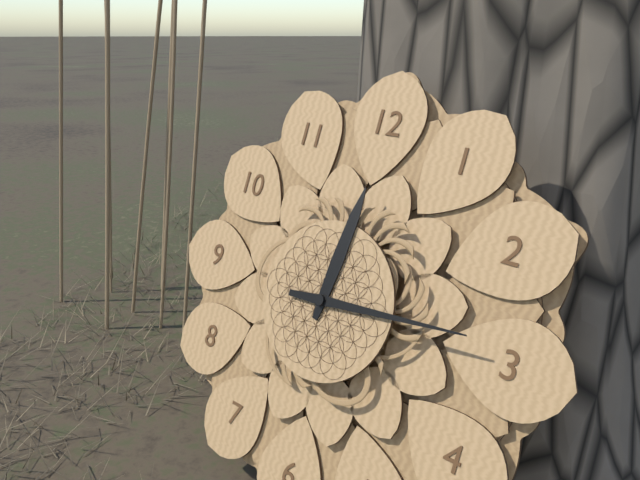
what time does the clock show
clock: 12:14
